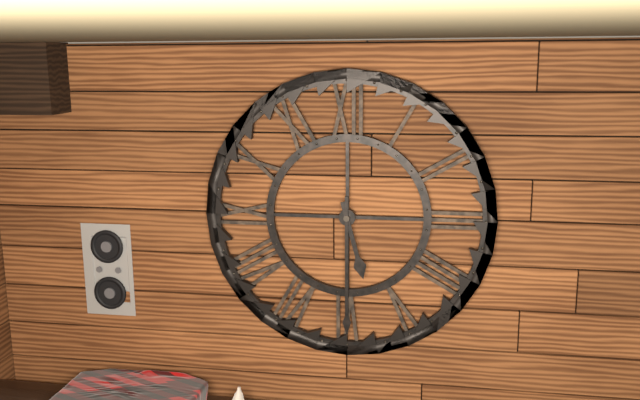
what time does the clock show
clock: 5:30
